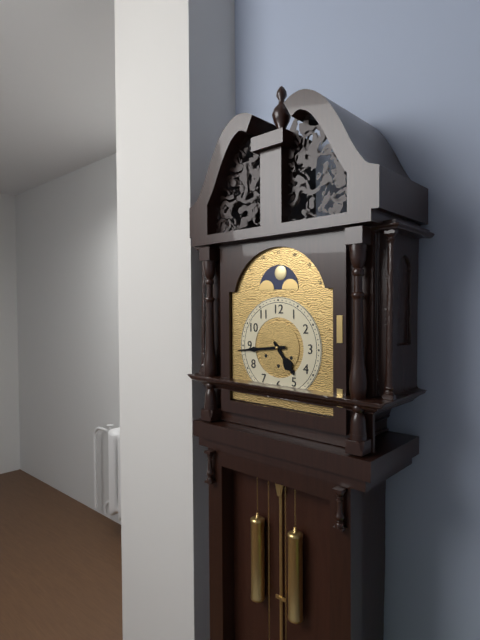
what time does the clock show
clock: 4:44
